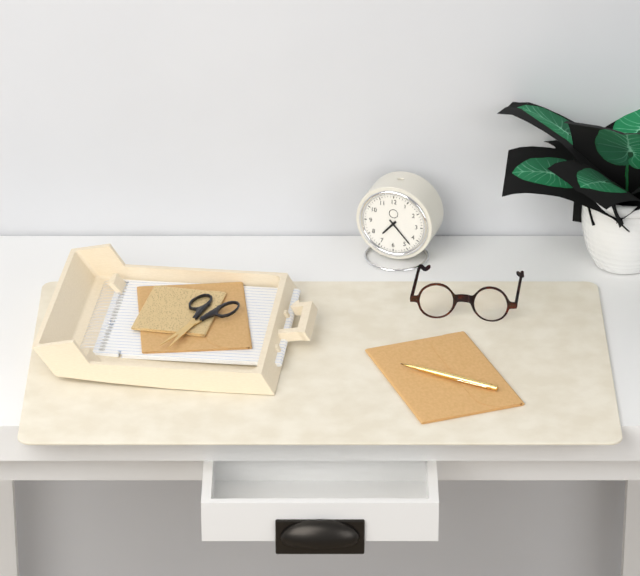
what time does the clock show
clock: 7:23
